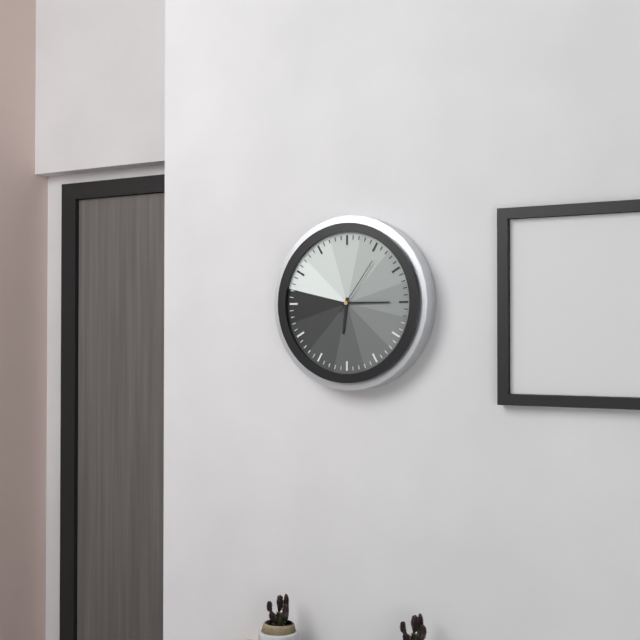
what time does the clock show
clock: 6:15:06
